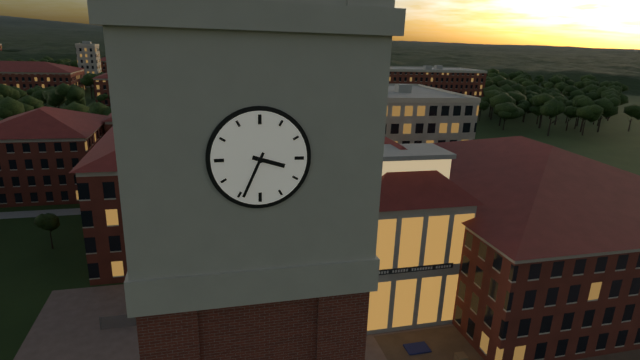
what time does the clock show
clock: 3:34
